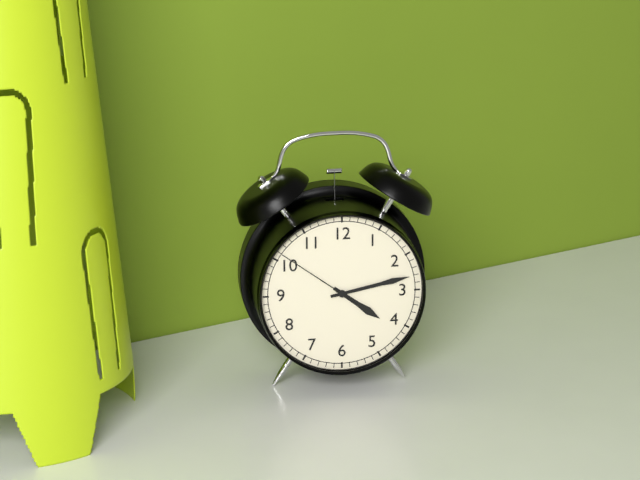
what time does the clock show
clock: 4:13:51
